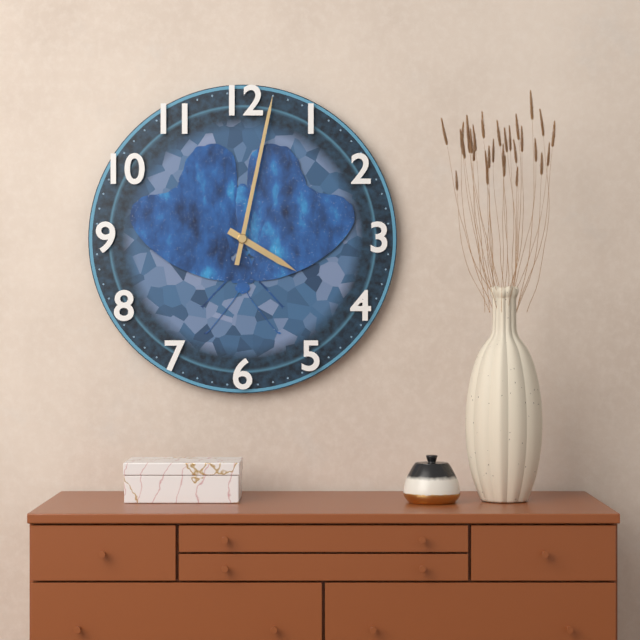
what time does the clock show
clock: 4:02
